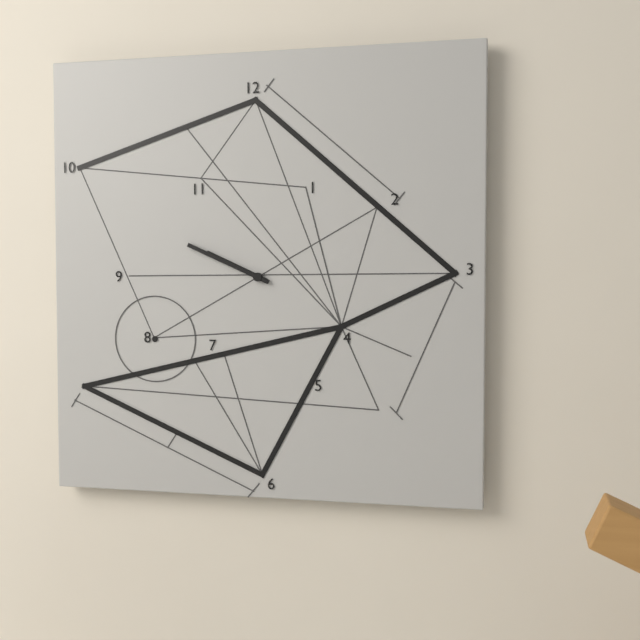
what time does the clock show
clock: 9:49
